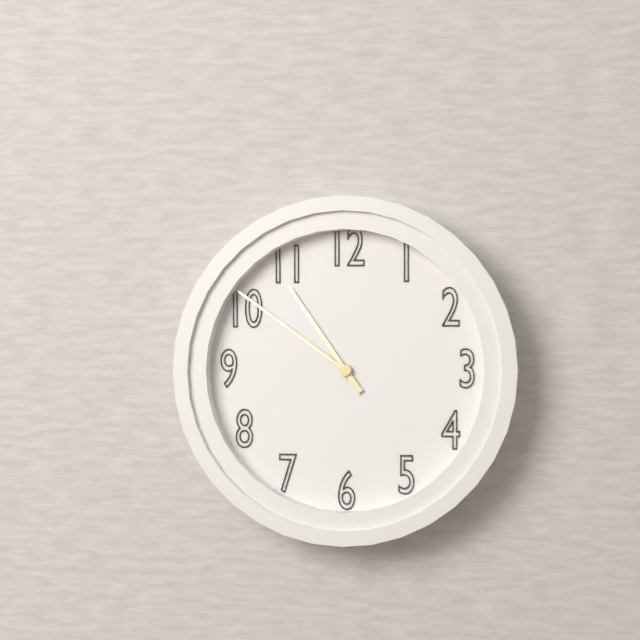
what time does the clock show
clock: 10:51
